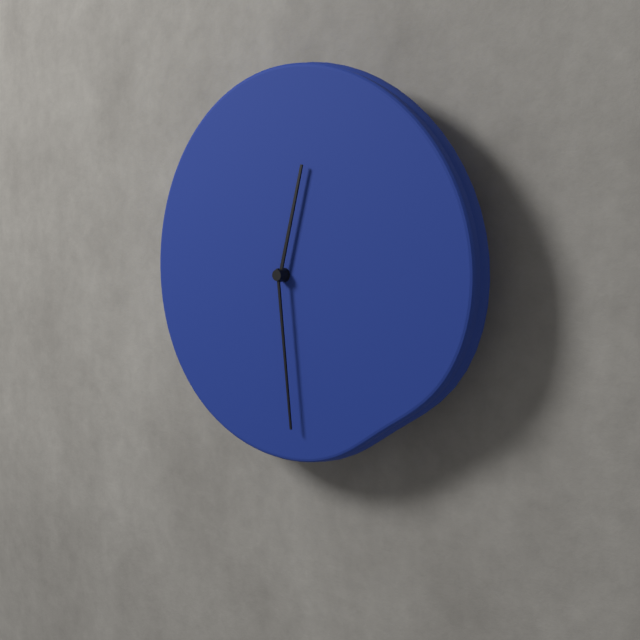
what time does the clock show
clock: 12:29
